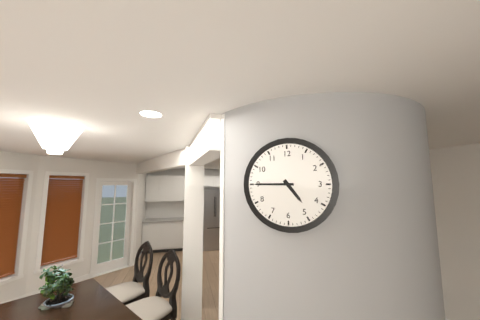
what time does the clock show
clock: 4:45
